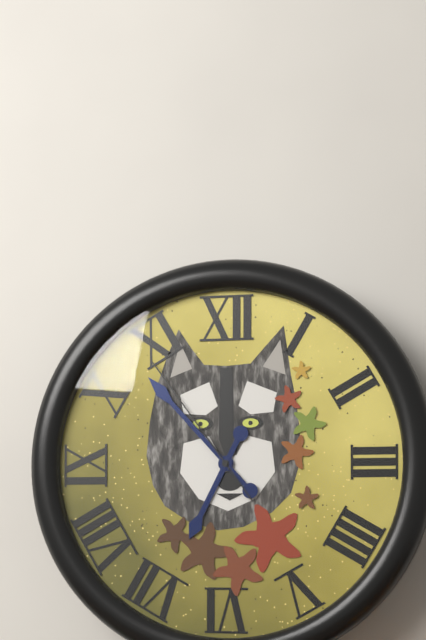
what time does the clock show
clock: 6:53:54
